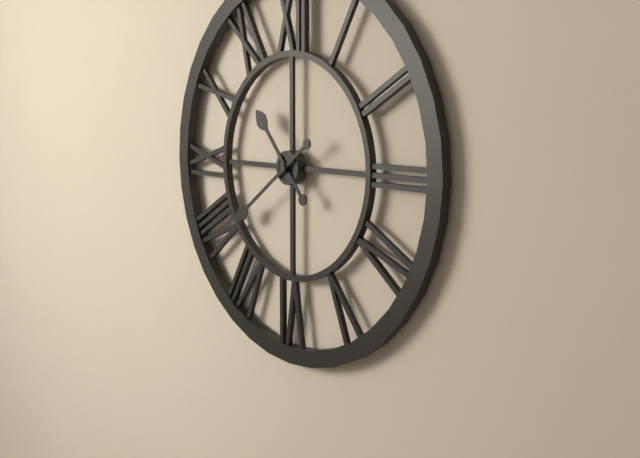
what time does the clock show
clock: 10:39
